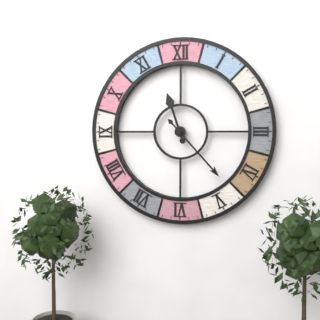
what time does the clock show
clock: 11:23
